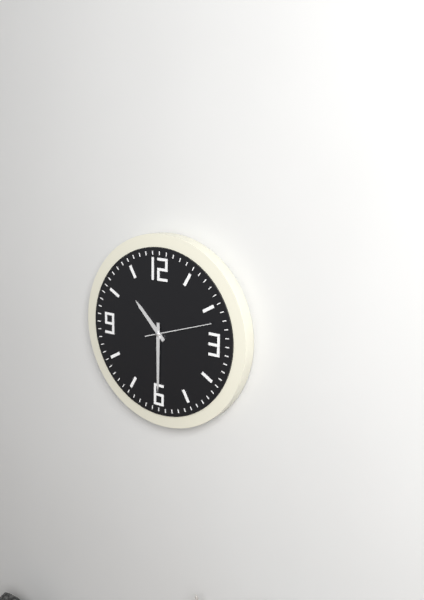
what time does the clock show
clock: 10:30:12
